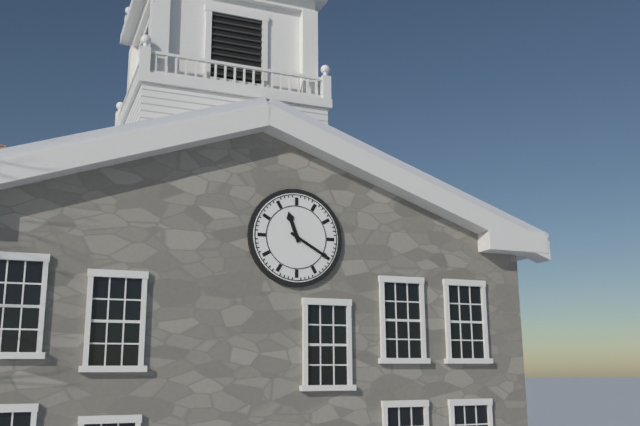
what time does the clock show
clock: 11:20
